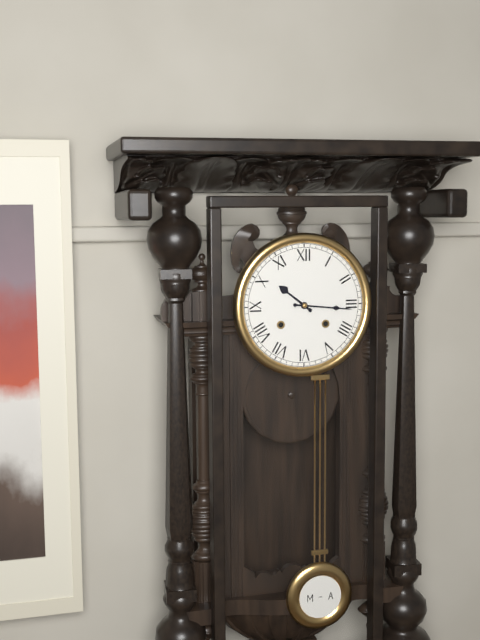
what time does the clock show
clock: 10:16
